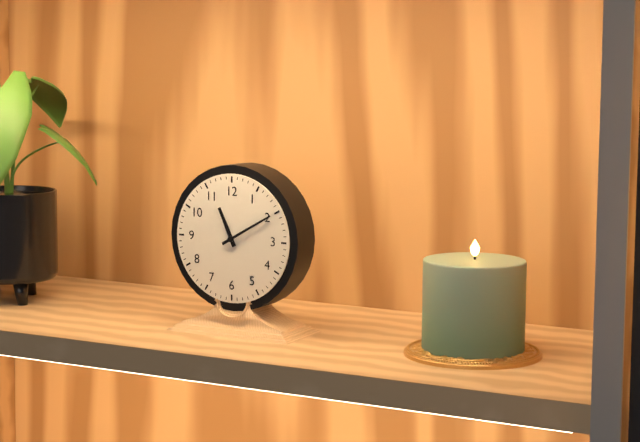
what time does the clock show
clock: 11:10
